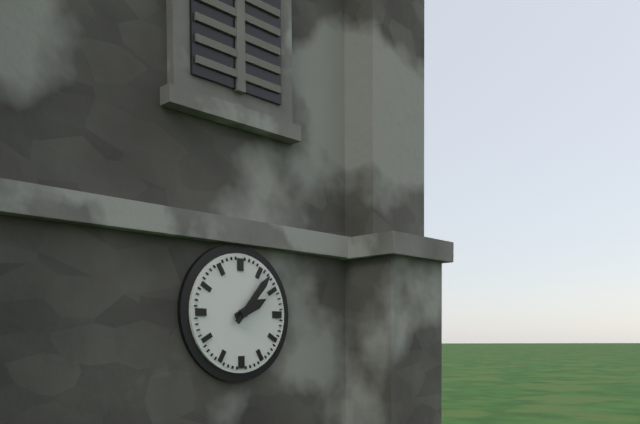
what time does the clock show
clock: 2:07
